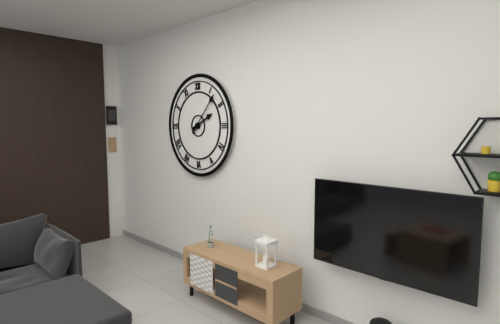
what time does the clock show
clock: 2:07
